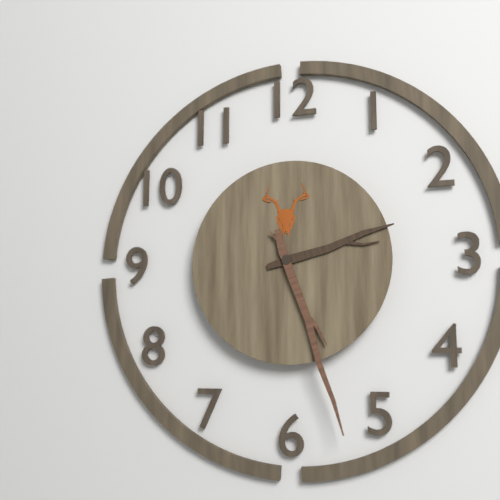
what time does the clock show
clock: 2:27
